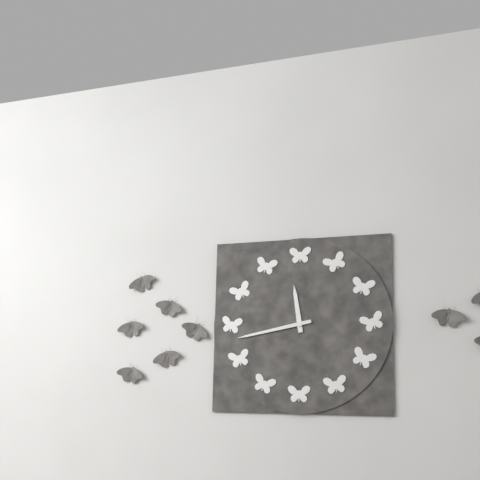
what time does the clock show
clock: 11:43
